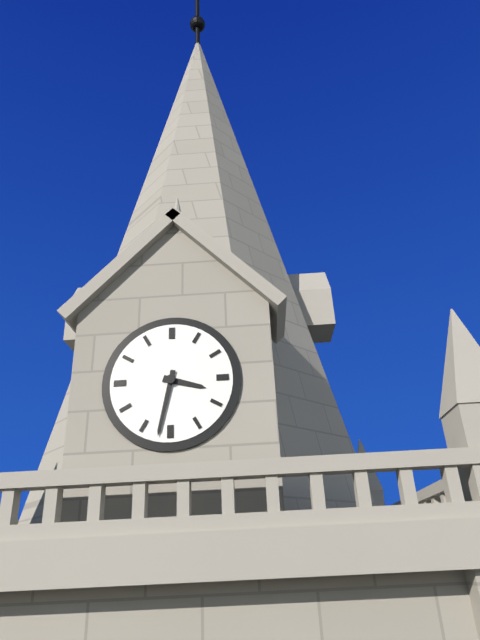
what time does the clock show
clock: 3:32
